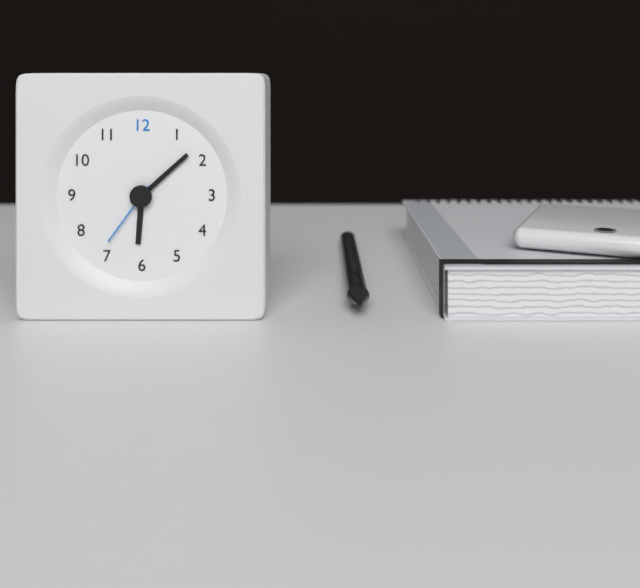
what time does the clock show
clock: 6:08:36
